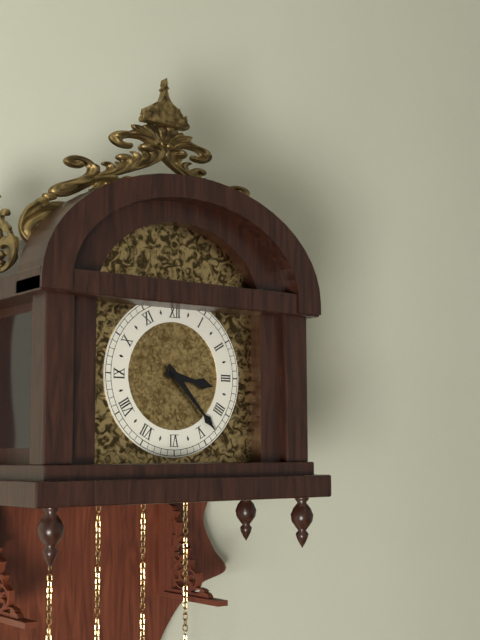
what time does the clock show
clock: 3:23
